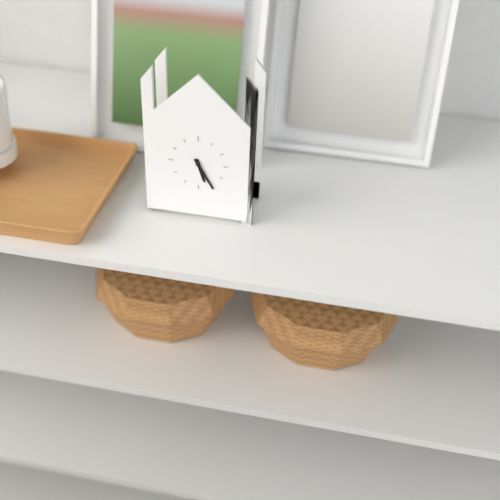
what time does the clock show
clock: 5:25
